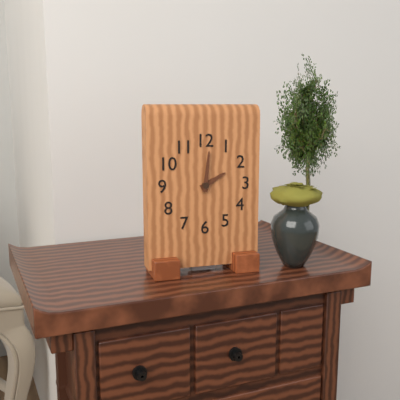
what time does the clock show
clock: 2:01
